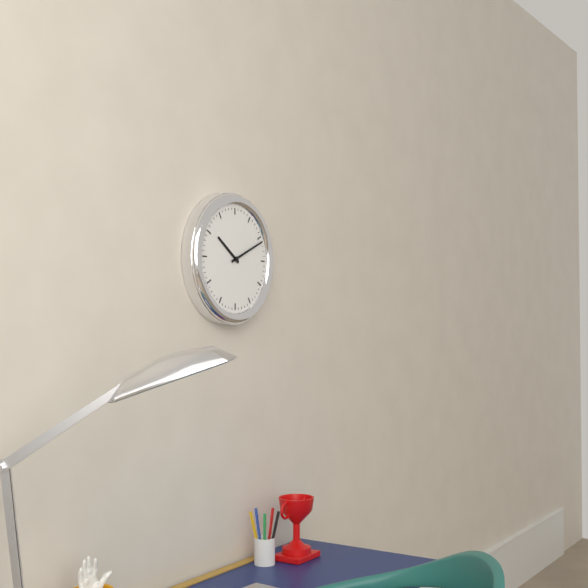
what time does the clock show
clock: 10:11
